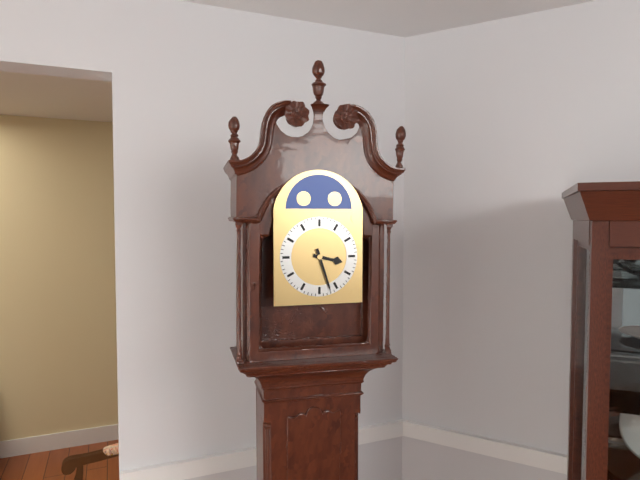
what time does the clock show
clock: 3:27
